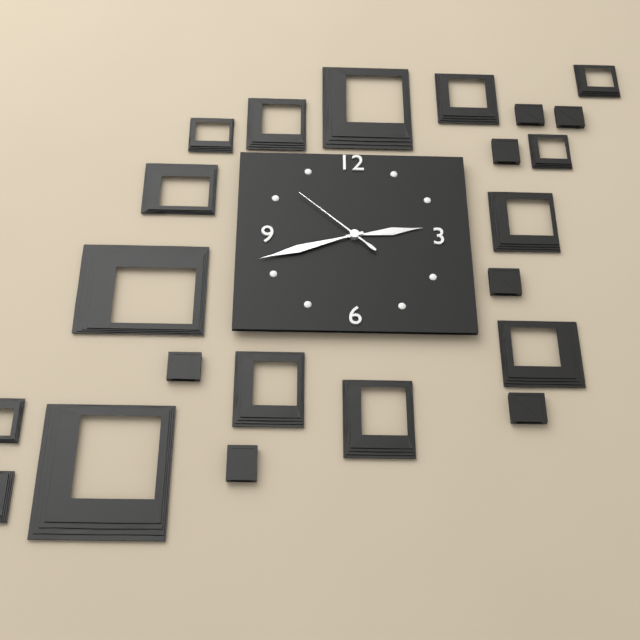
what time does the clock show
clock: 2:42:52
